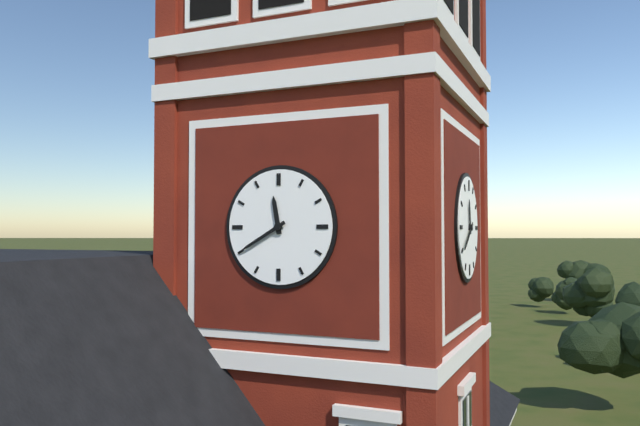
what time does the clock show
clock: 11:40
